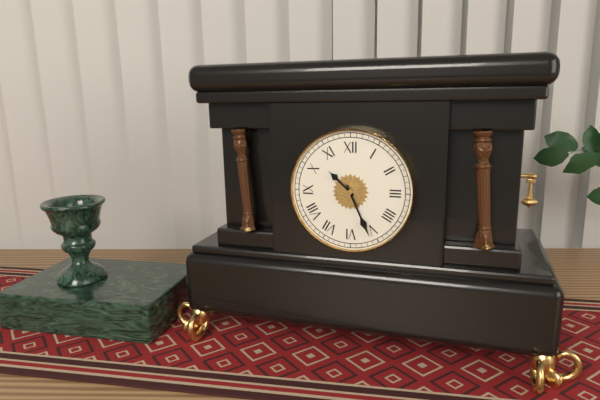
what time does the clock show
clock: 10:26
